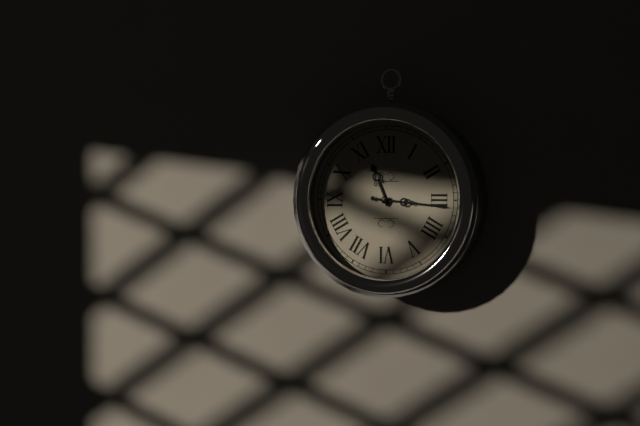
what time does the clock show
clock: 11:16
